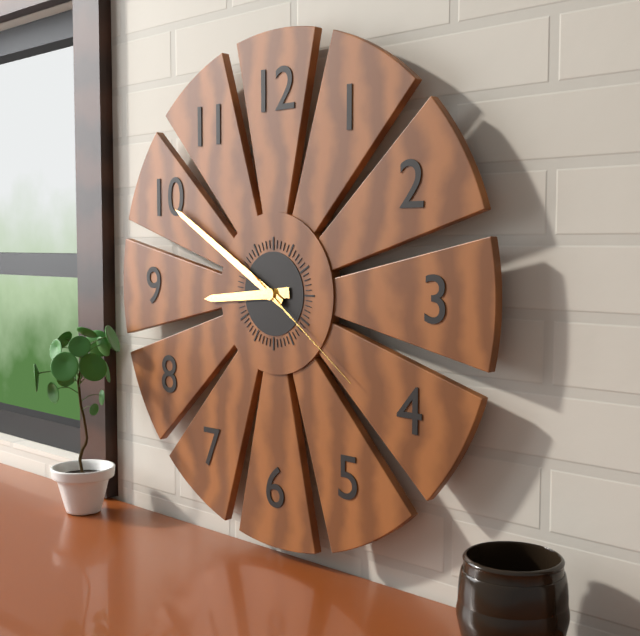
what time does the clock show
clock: 8:50:21
